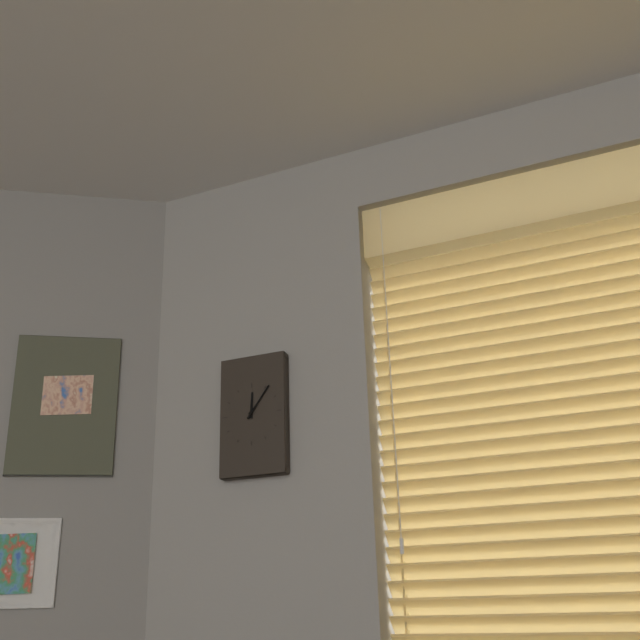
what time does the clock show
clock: 12:06
